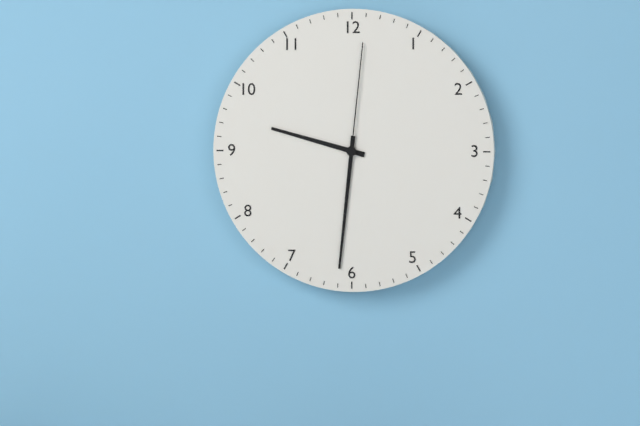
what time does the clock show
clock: 9:31:01
